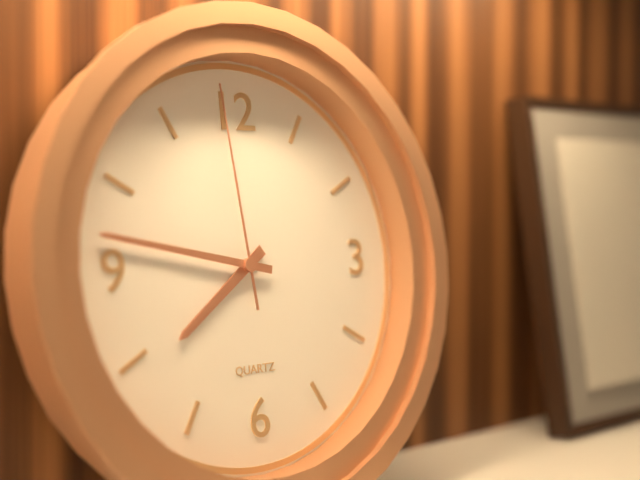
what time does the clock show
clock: 7:47:59
